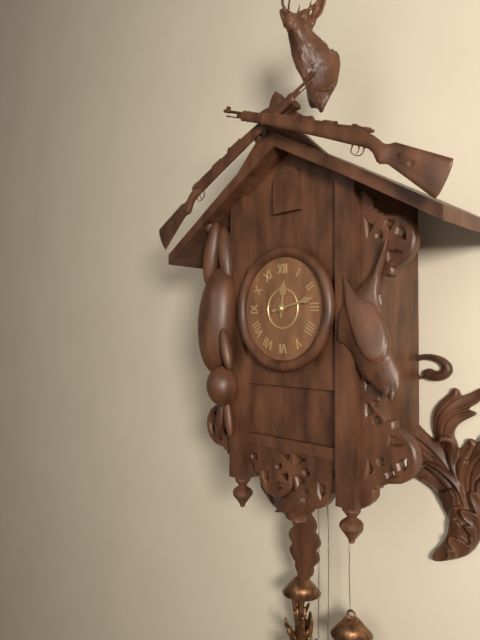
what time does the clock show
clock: 12:13
